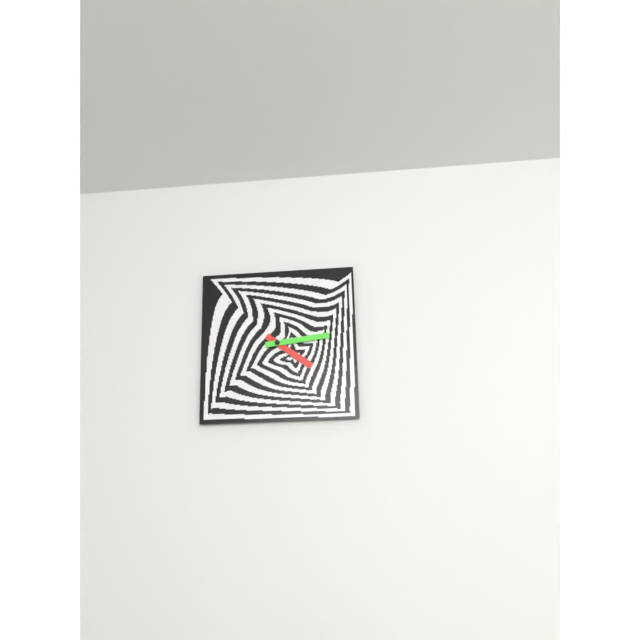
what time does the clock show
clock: 4:14
